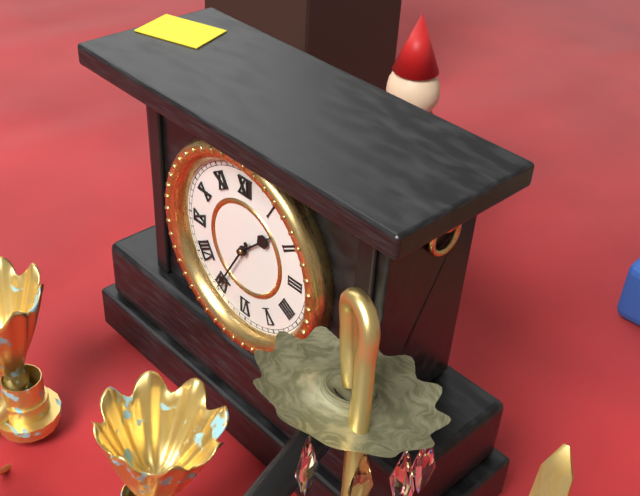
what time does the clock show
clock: 1:35
